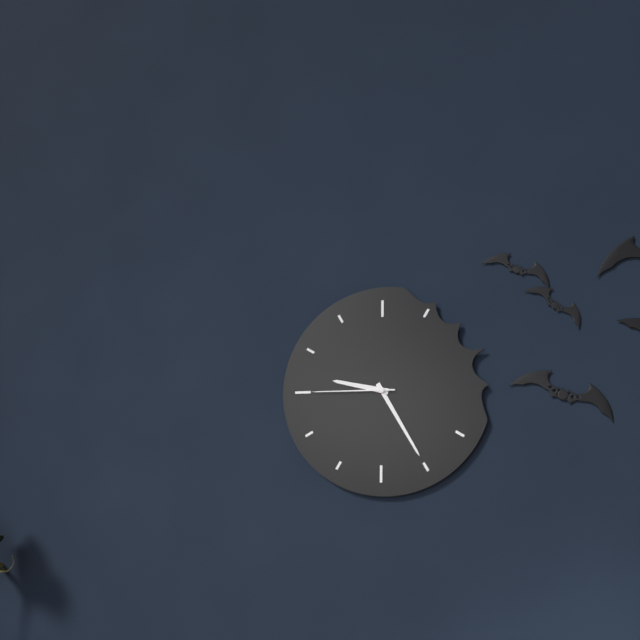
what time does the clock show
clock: 9:25:45
